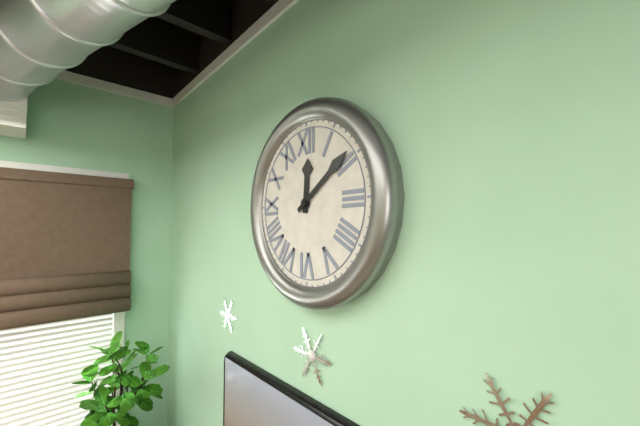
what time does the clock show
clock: 12:09
